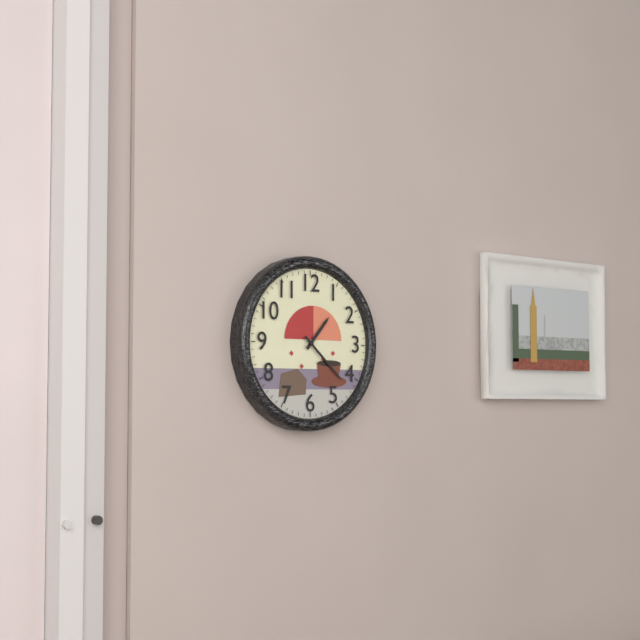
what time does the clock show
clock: 1:22
